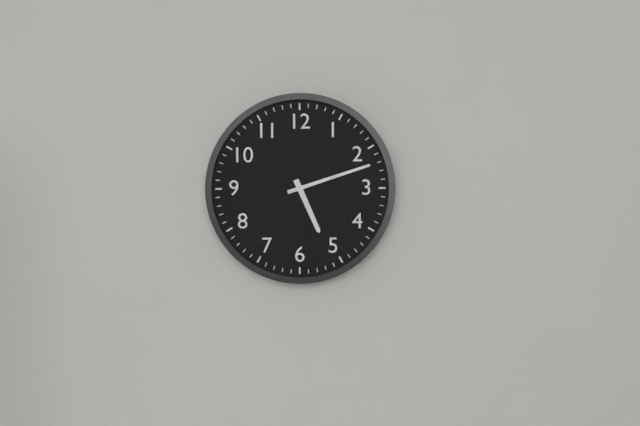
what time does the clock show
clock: 5:12
